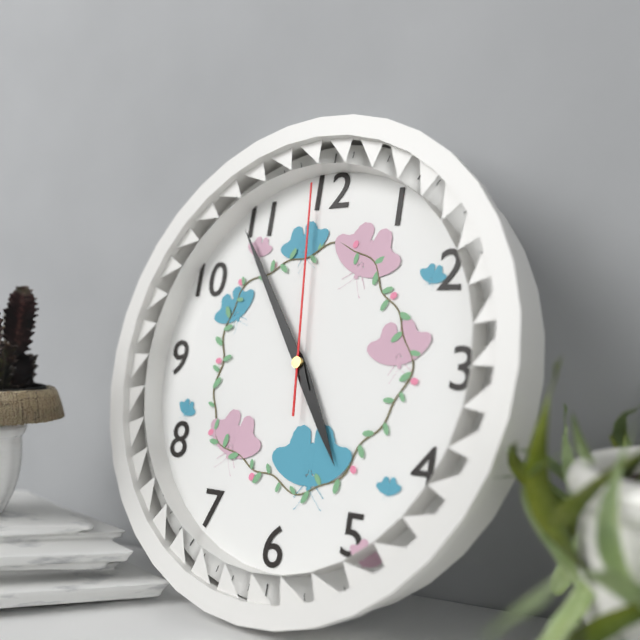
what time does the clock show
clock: 4:54:59
